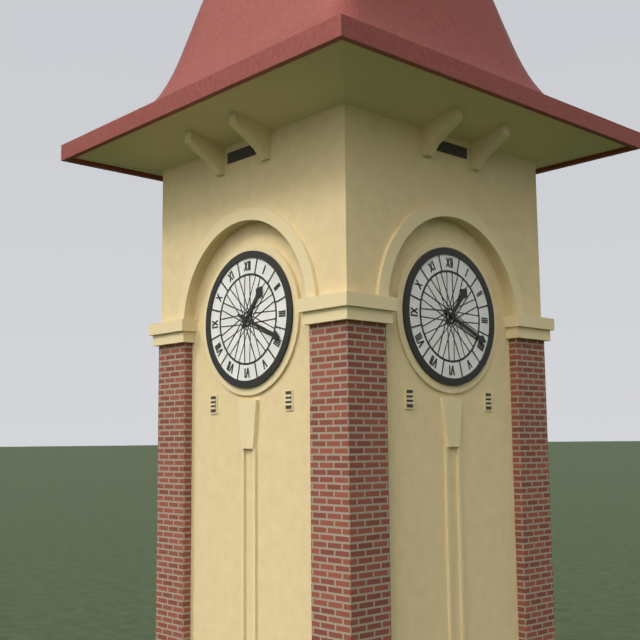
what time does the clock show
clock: 1:19
